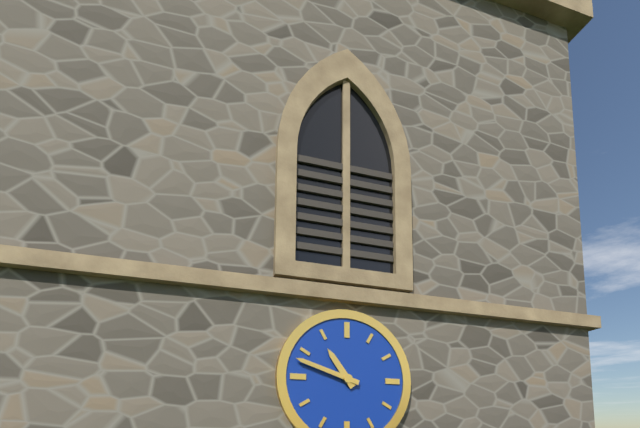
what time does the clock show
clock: 10:48
